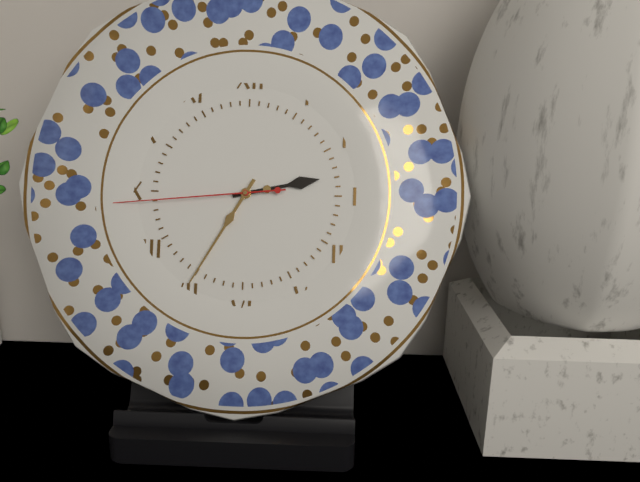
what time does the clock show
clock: 2:35:44
